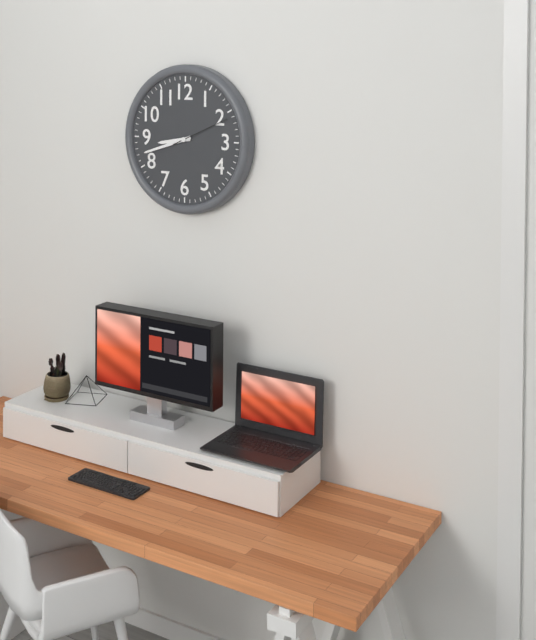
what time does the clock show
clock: 8:42:11
